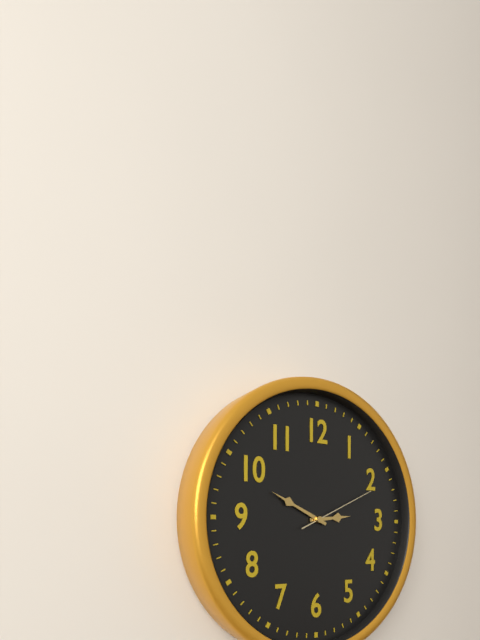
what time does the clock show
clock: 2:49:11
